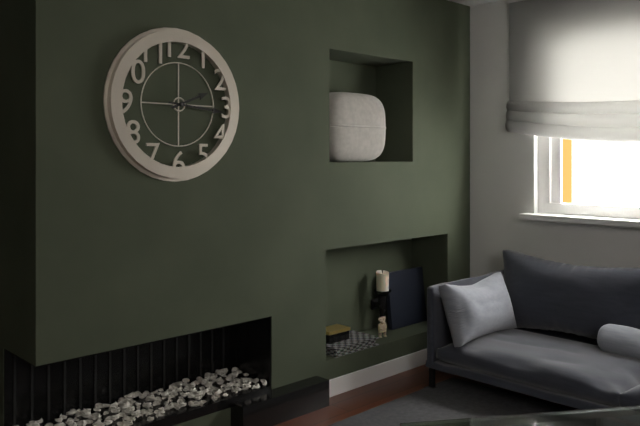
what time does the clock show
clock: 2:16
